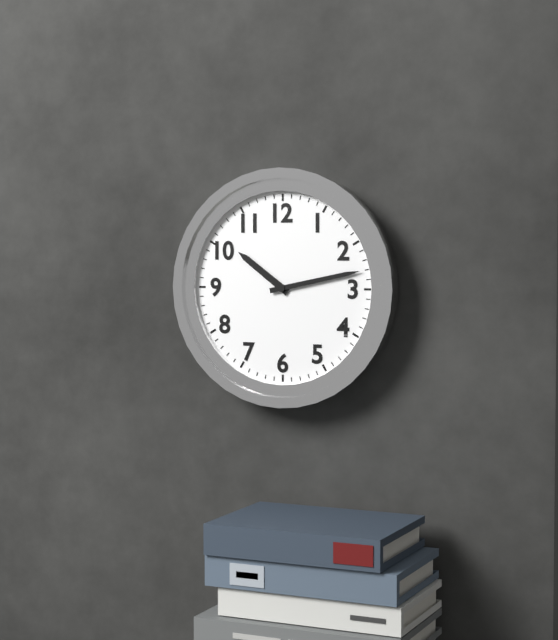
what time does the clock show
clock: 10:13
